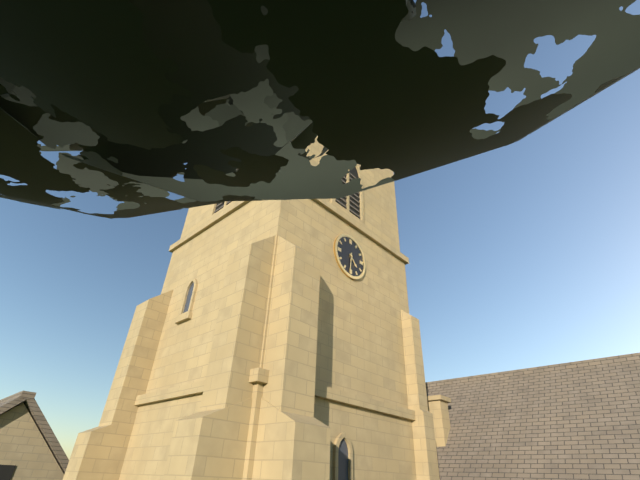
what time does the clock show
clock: 4:31
